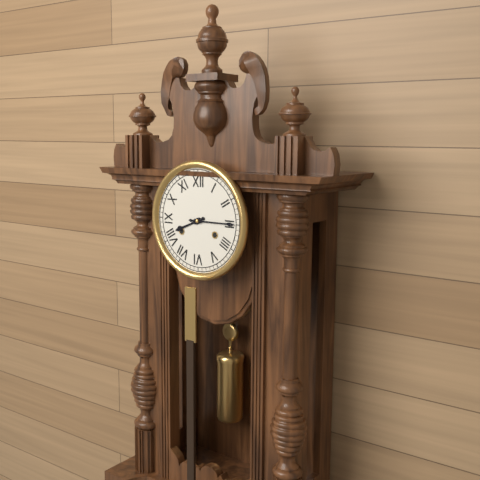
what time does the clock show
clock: 8:15
